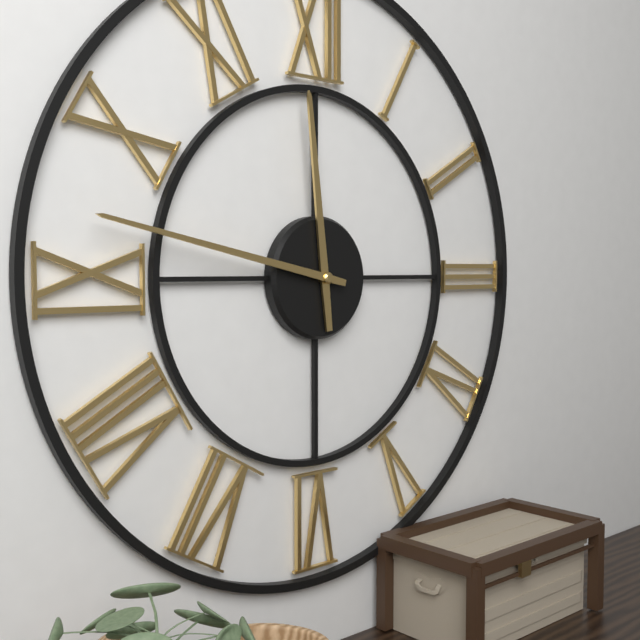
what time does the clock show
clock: 11:47
